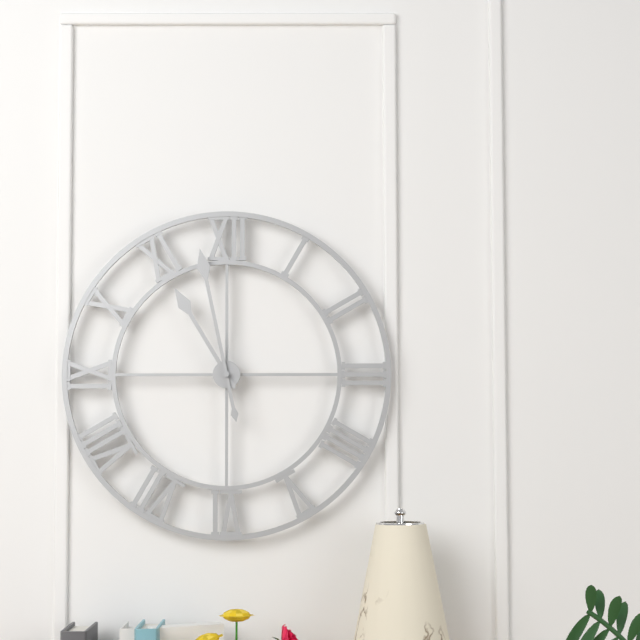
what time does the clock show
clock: 10:58
